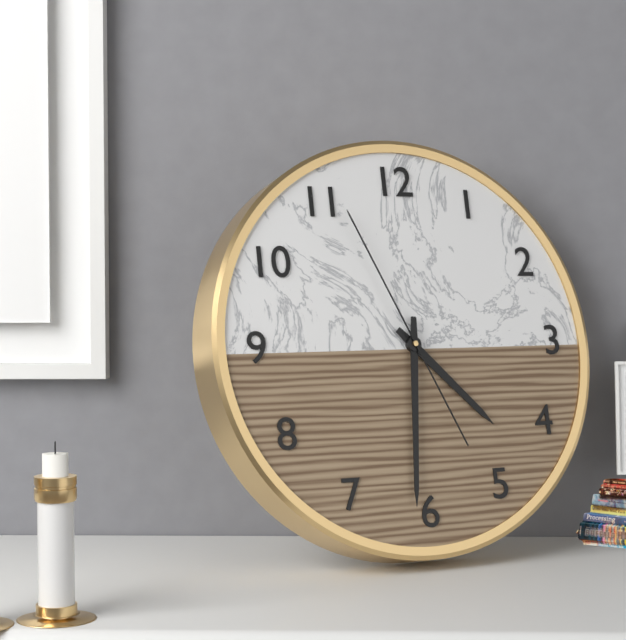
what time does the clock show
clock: 4:31:56
